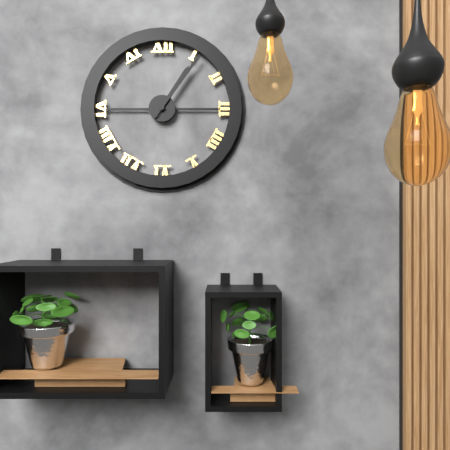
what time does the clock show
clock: 1:06
